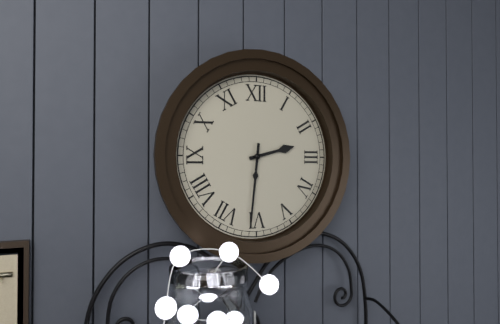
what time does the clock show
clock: 2:31
